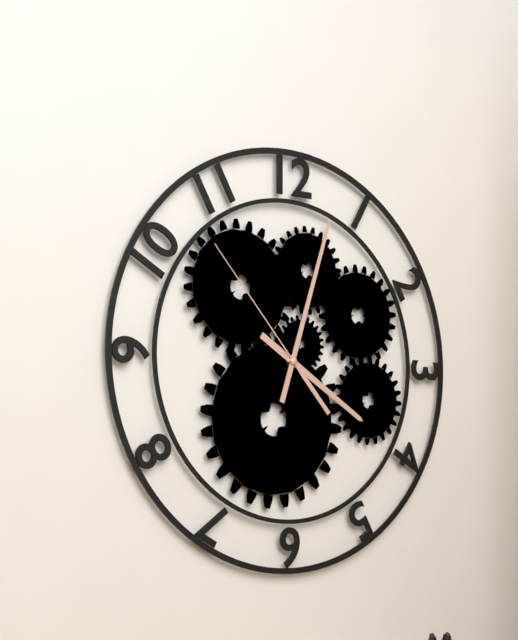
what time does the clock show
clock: 4:03:53
